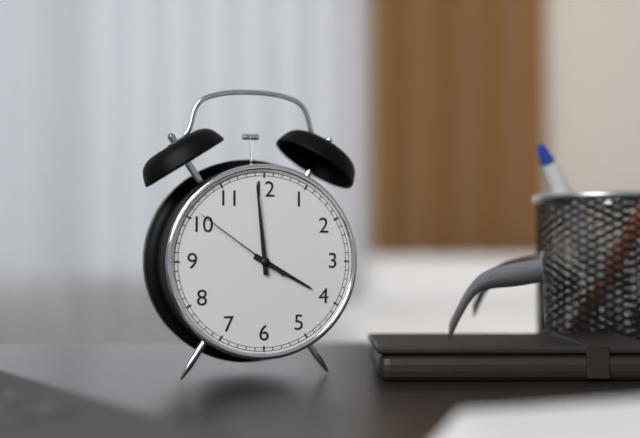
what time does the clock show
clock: 3:59:51
